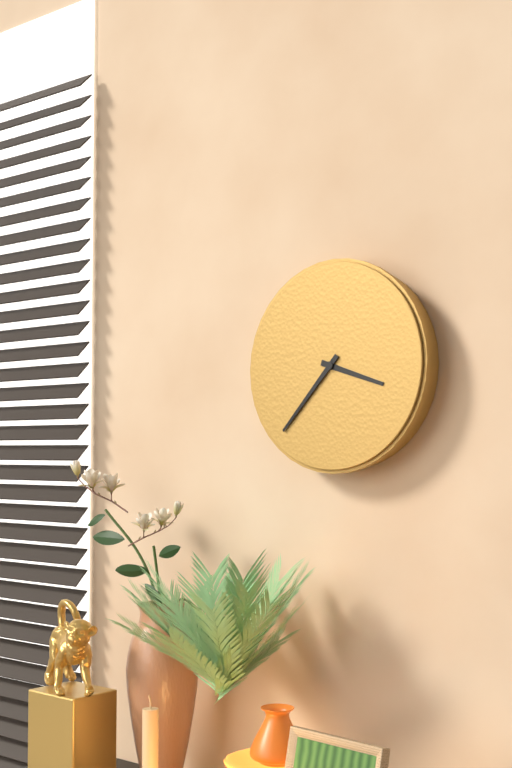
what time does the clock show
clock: 3:37
